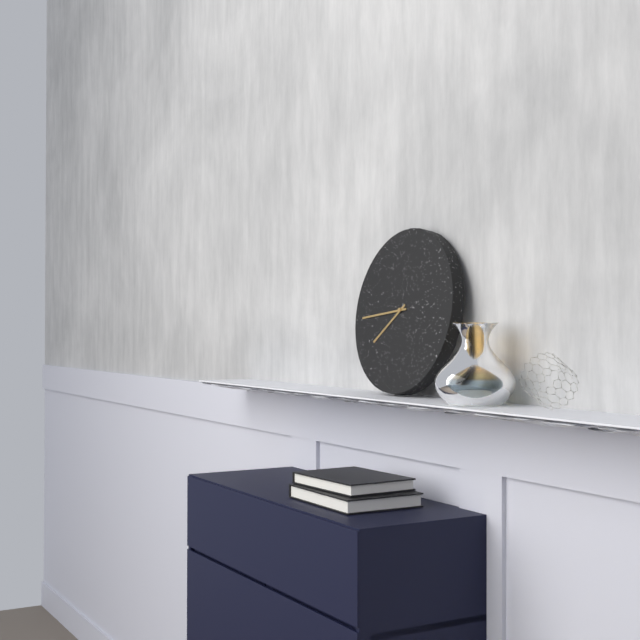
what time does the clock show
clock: 7:44
